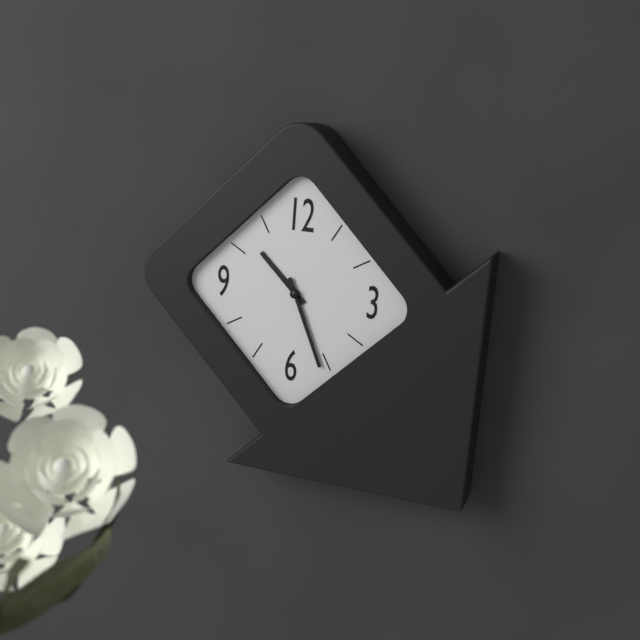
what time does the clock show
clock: 10:26
